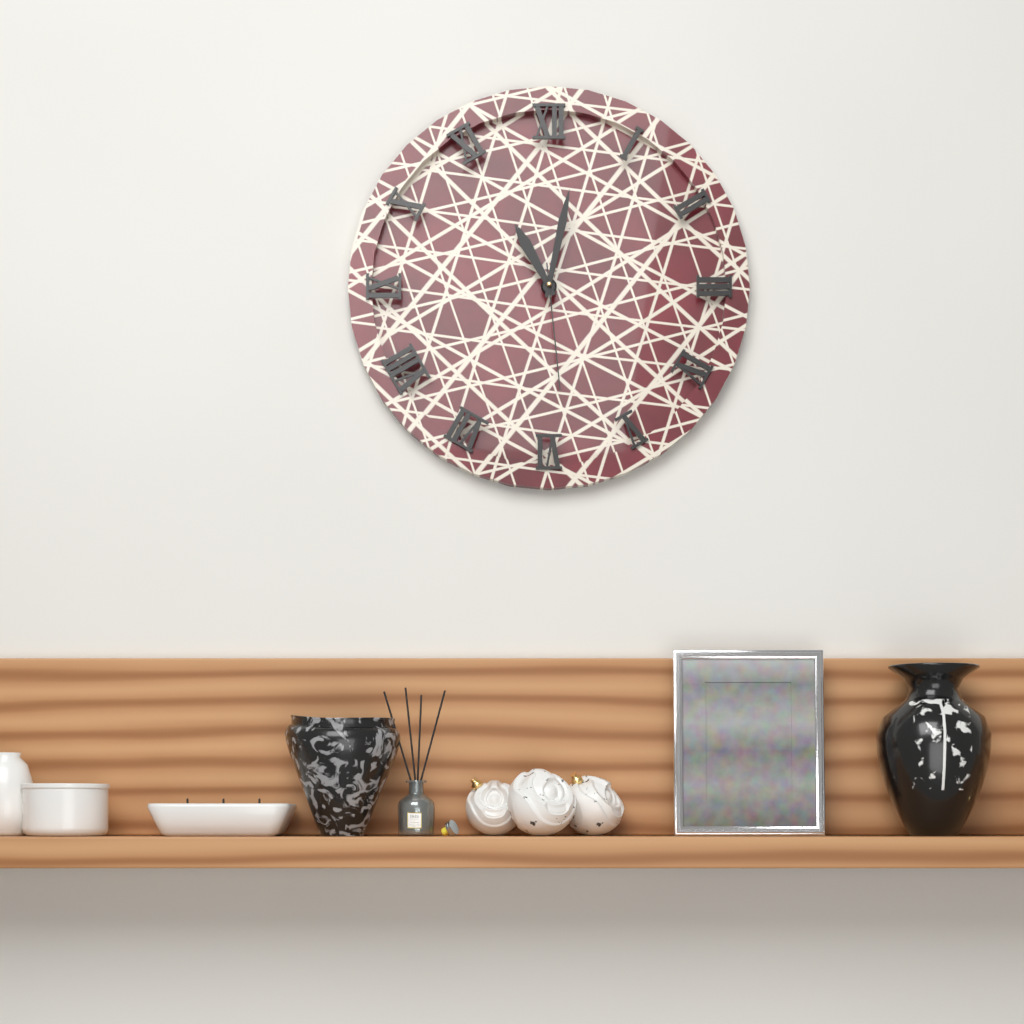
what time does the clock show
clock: 11:02:29
